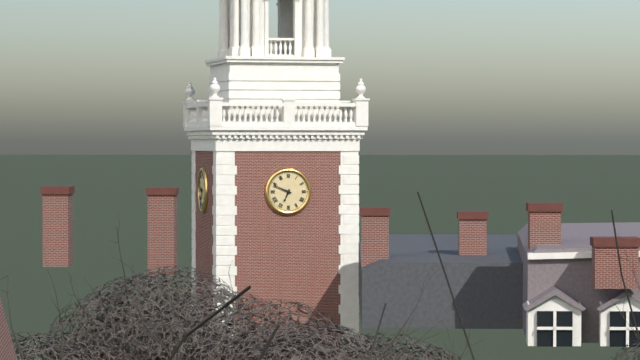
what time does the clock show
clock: 6:49
